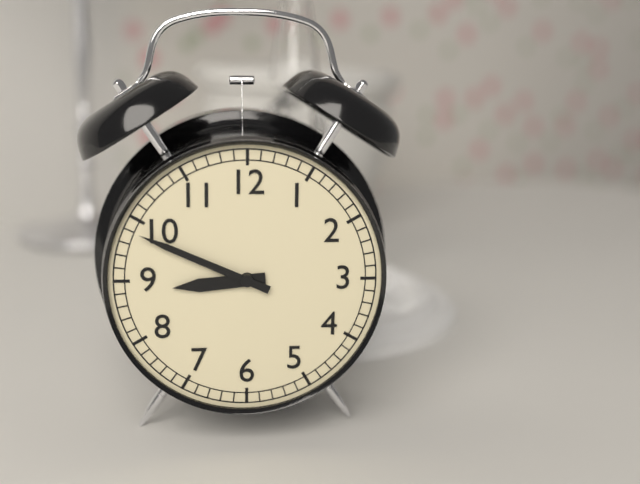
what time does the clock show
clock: 8:49
